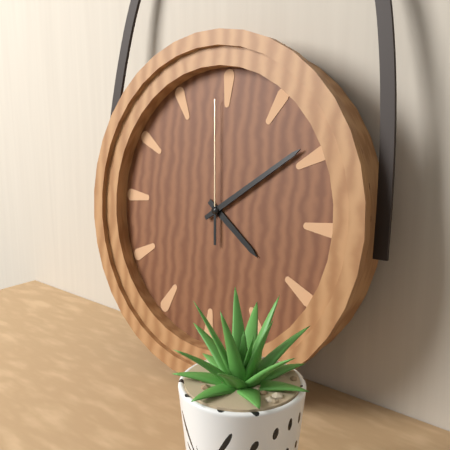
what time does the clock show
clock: 4:09:59
